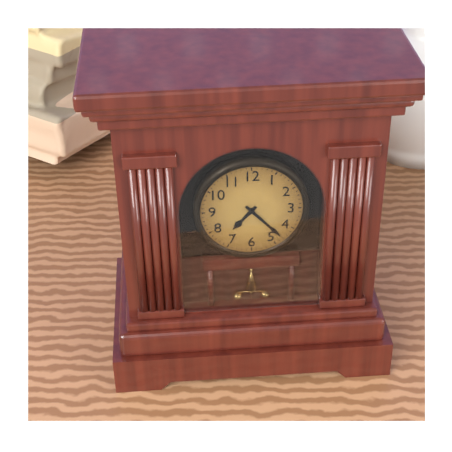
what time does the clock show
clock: 7:23
